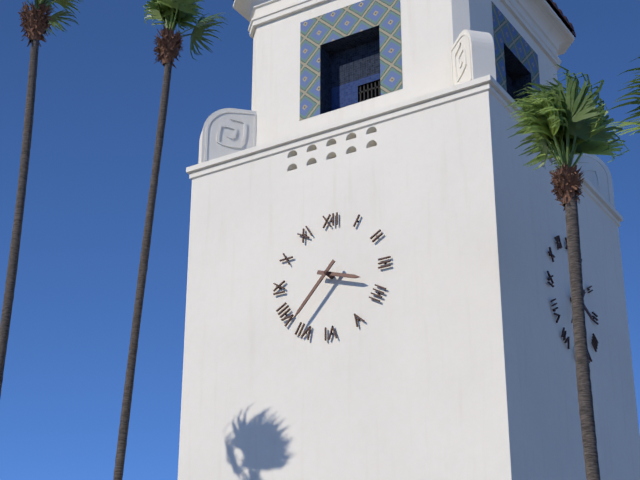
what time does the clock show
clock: 3:37
